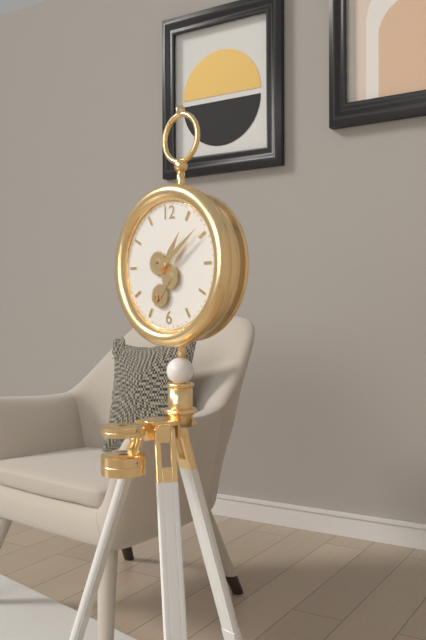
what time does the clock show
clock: 1:09
